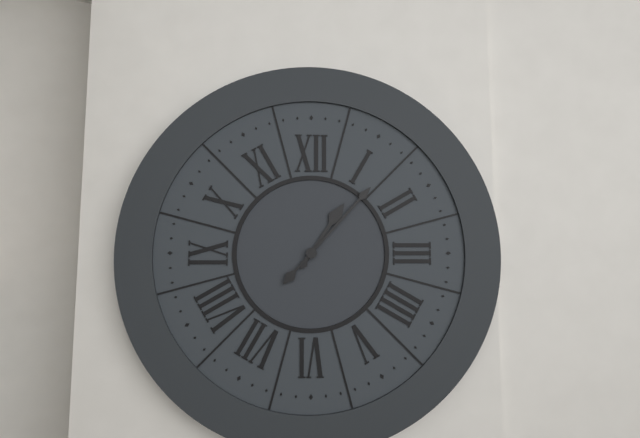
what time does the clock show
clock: 1:07
